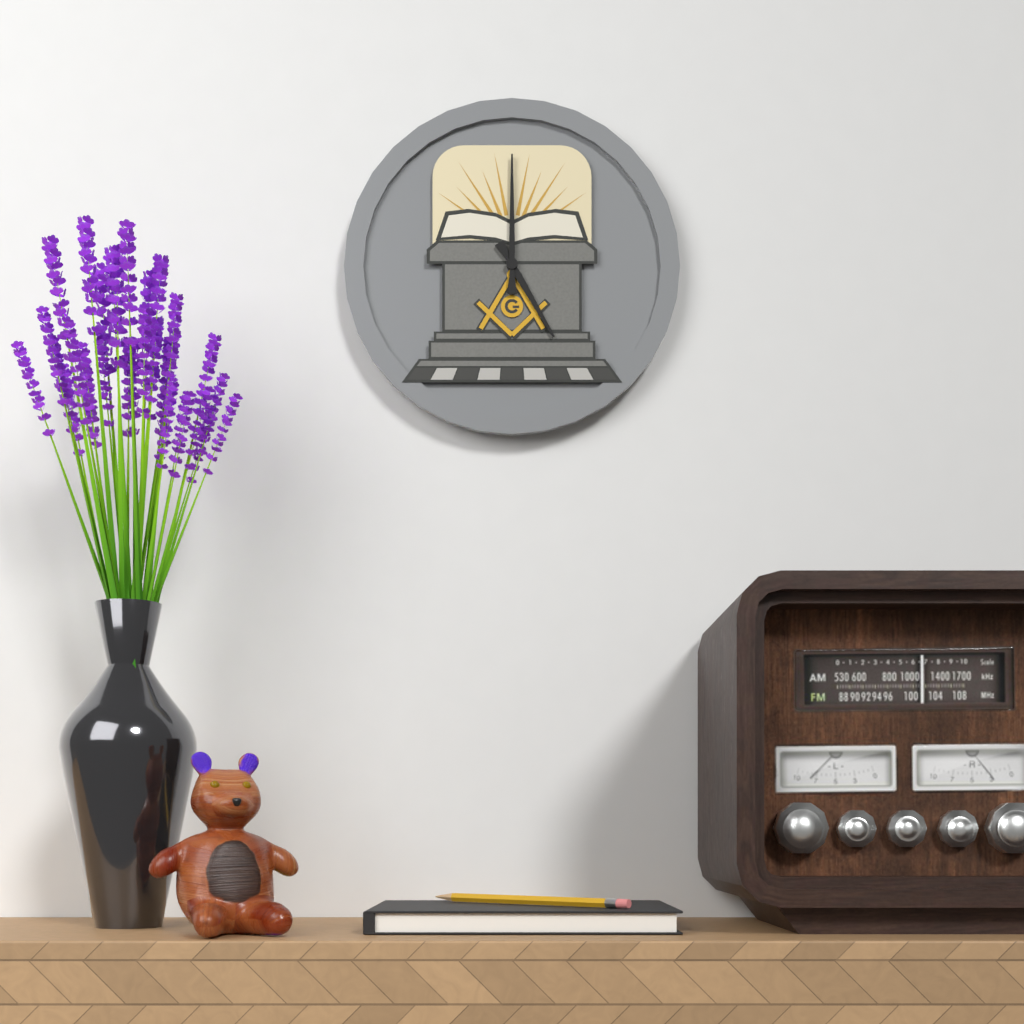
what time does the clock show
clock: 5:00
